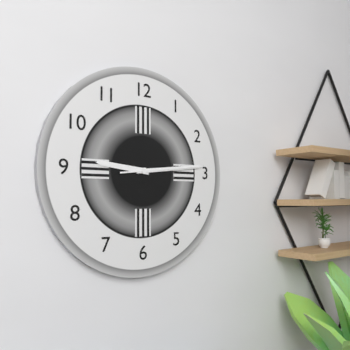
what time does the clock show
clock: 9:14:14
